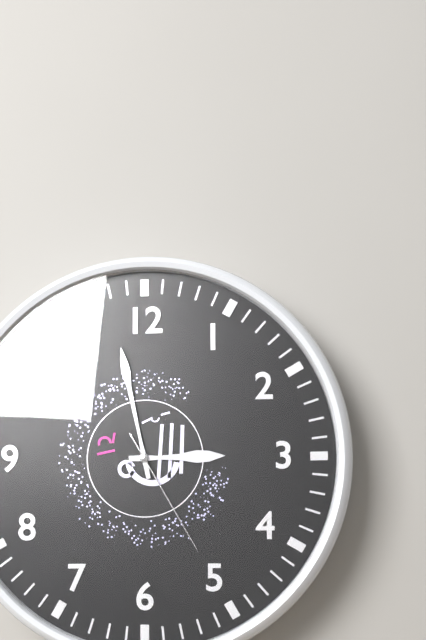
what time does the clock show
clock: 2:58:25
